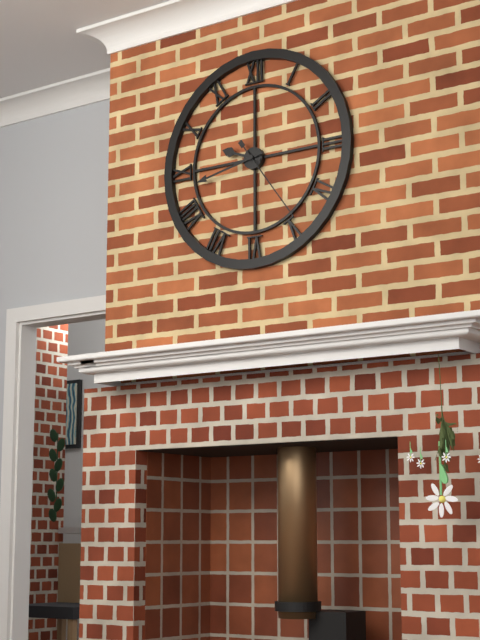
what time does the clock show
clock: 9:43:24
